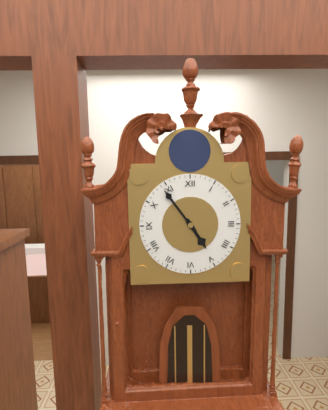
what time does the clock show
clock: 4:54
